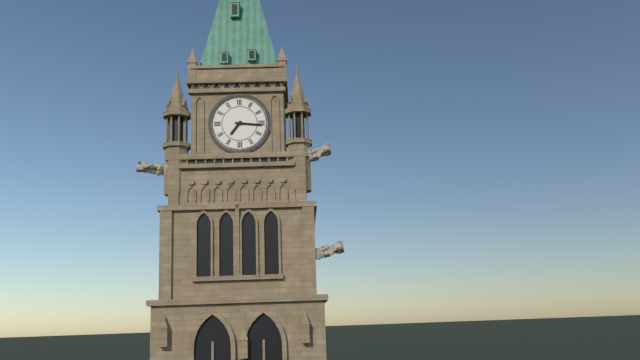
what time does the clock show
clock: 7:16
